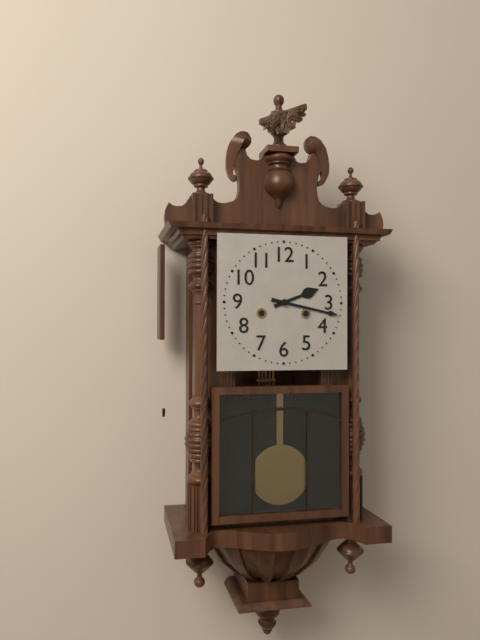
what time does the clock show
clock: 2:17
